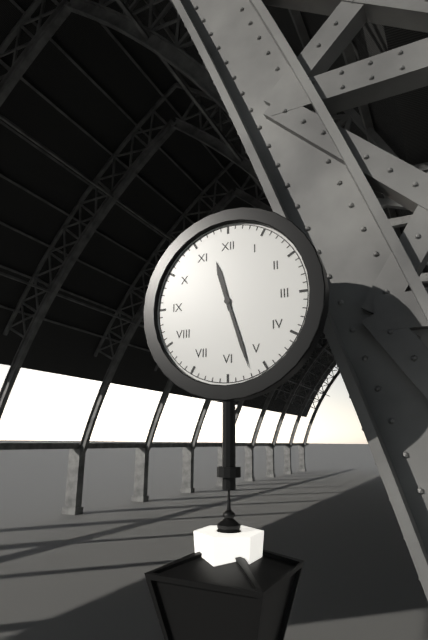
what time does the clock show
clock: 11:27
